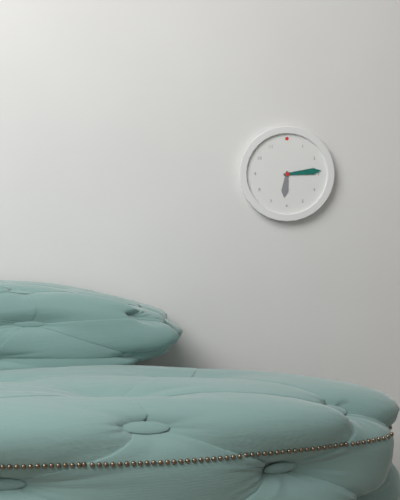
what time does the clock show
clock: 6:14
